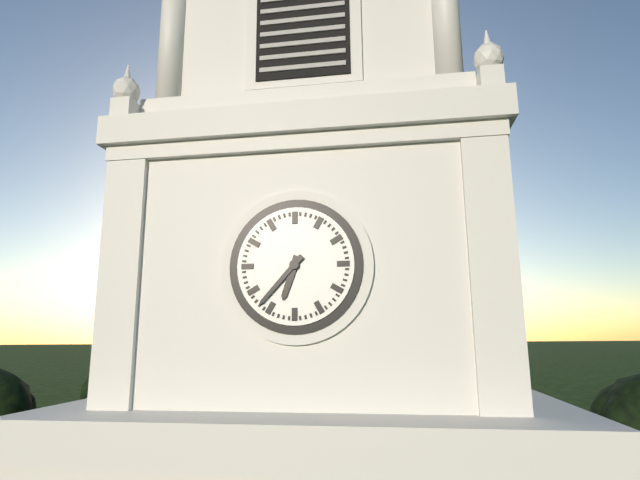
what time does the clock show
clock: 6:37
